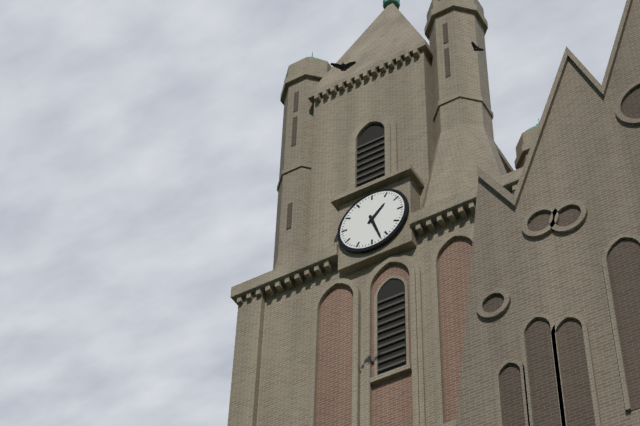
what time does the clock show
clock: 1:27
